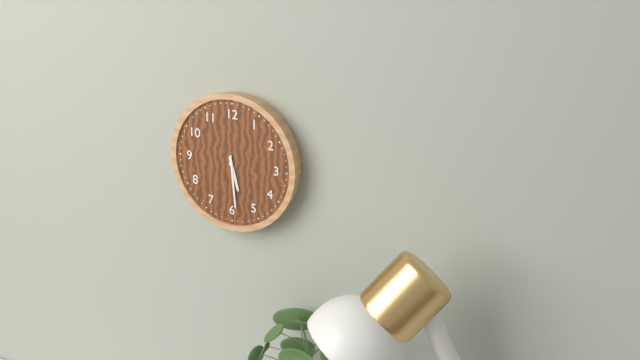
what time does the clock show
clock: 5:29
